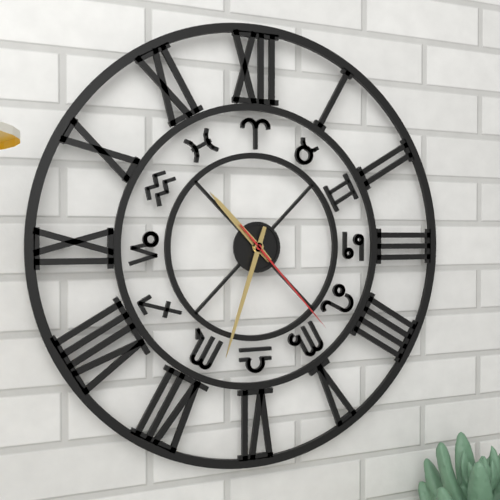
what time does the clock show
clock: 10:33:23
